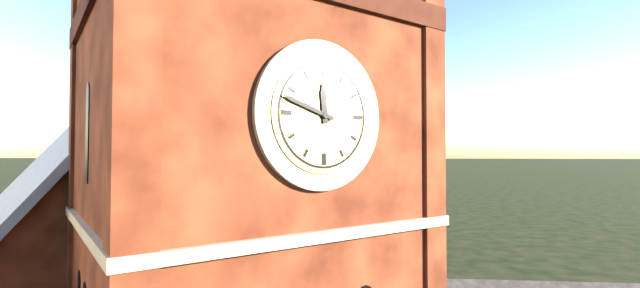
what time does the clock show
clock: 11:48
